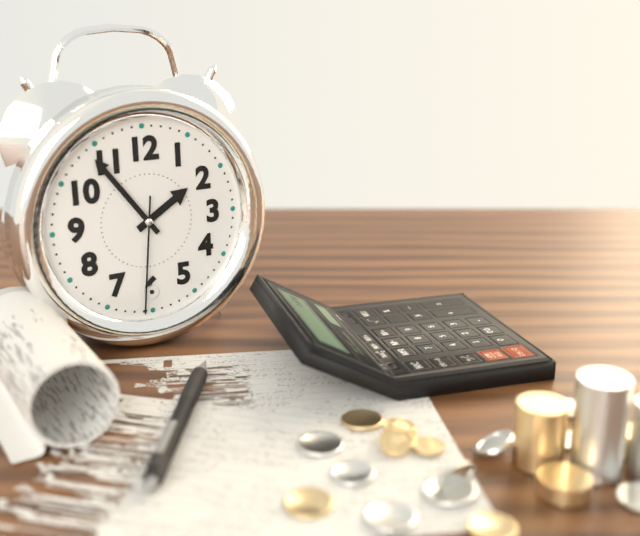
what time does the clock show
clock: 1:54:31
